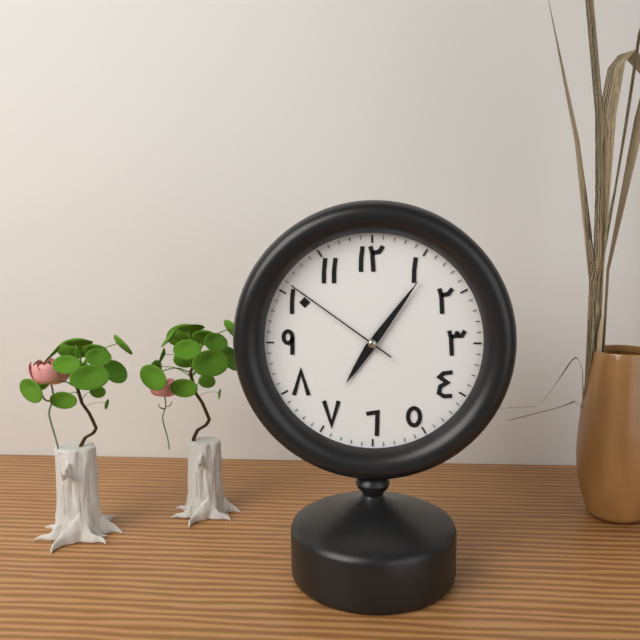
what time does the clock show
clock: 7:06:51
